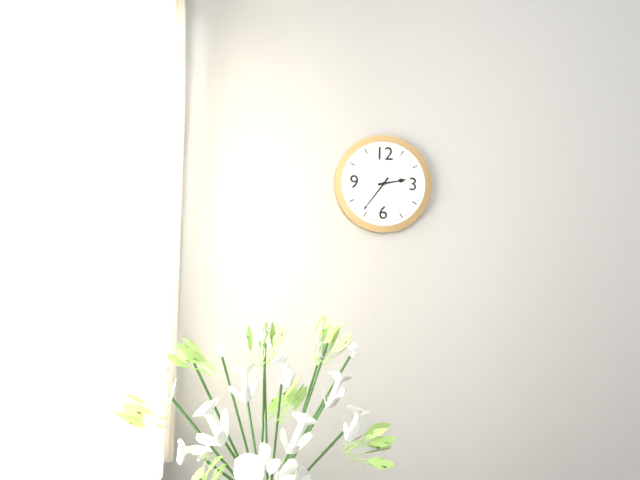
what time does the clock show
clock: 2:36
